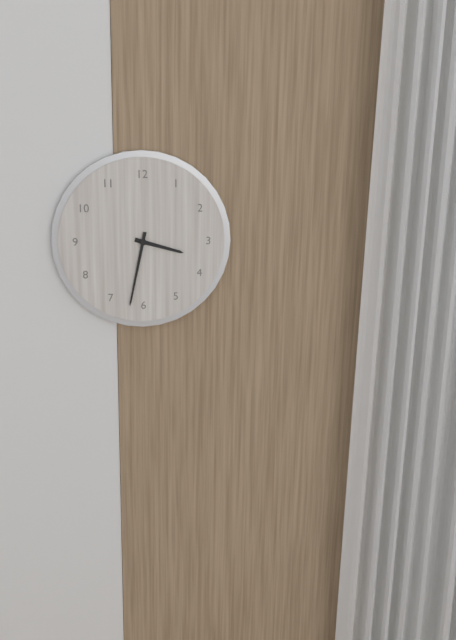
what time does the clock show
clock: 3:32
